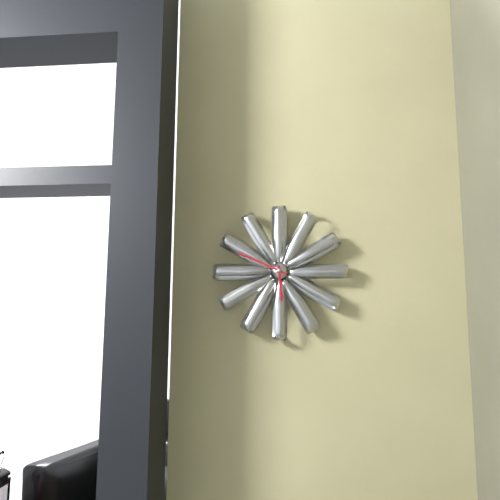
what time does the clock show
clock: 5:49
